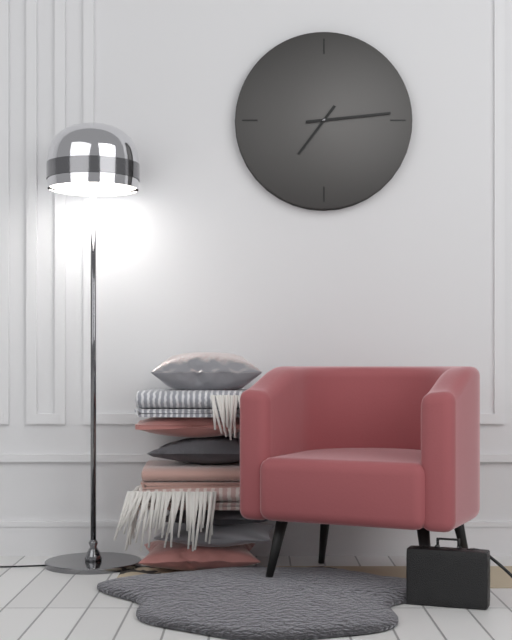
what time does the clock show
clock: 7:14
